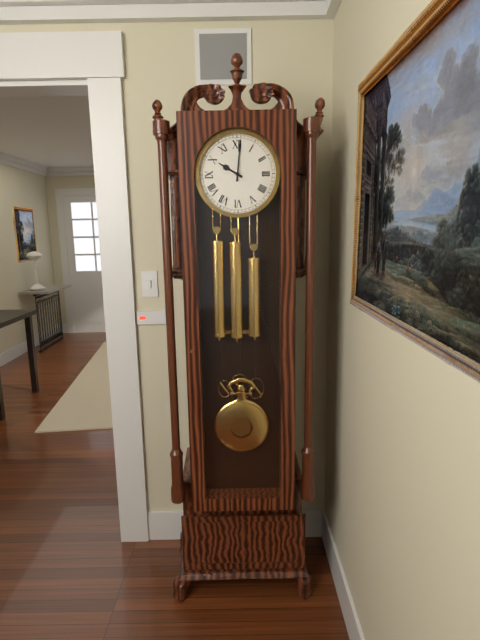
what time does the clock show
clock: 10:01
